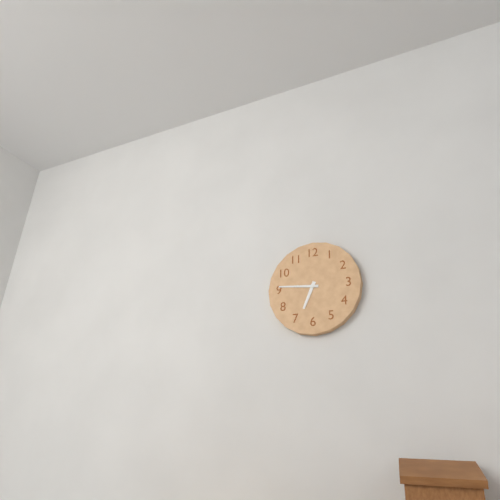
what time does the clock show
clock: 6:46
